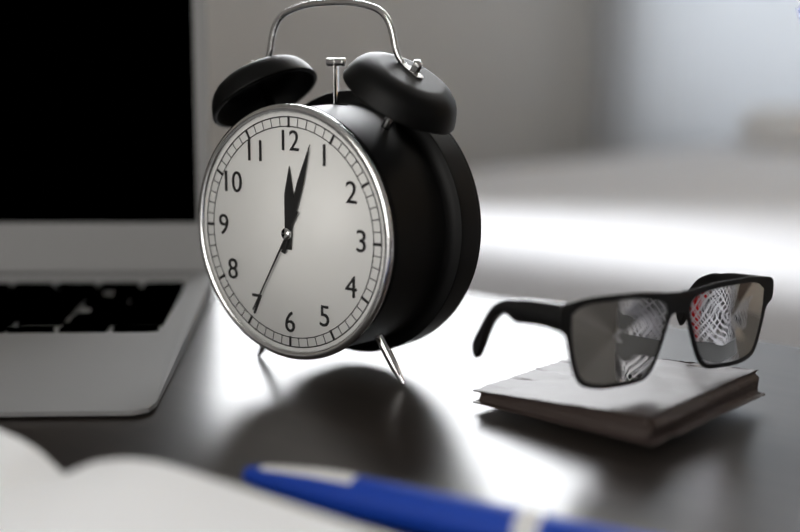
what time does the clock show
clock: 12:03:35
